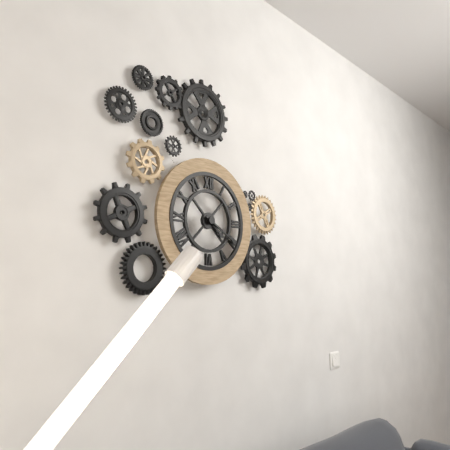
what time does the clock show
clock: 4:20
